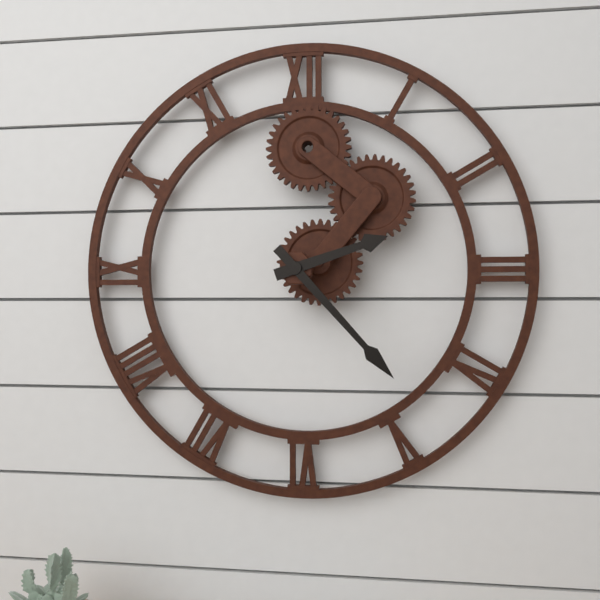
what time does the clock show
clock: 2:23
